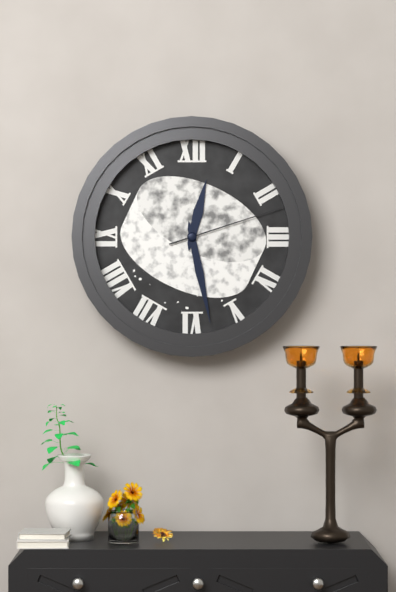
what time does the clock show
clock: 12:28:12
